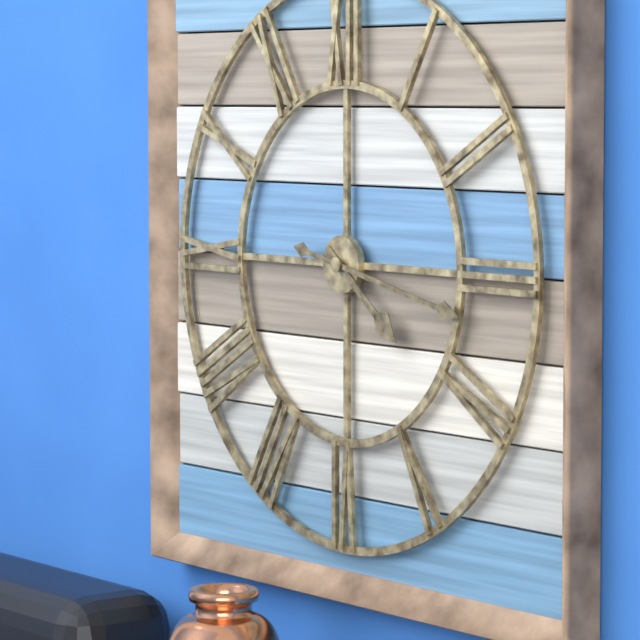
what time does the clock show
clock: 4:17
